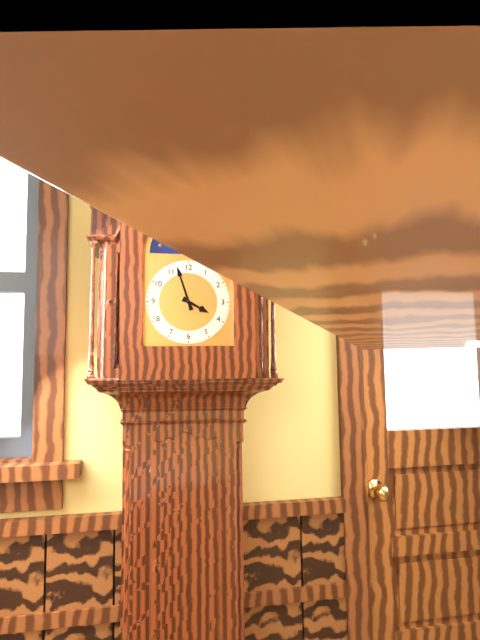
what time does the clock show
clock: 3:57
